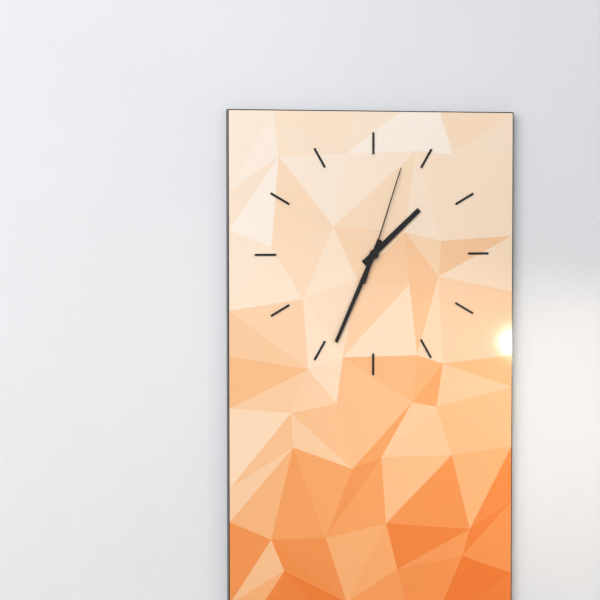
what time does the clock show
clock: 1:34:03
